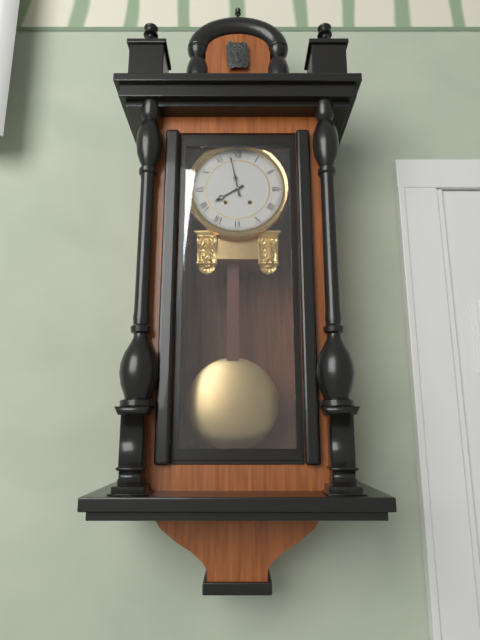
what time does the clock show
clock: 7:58
